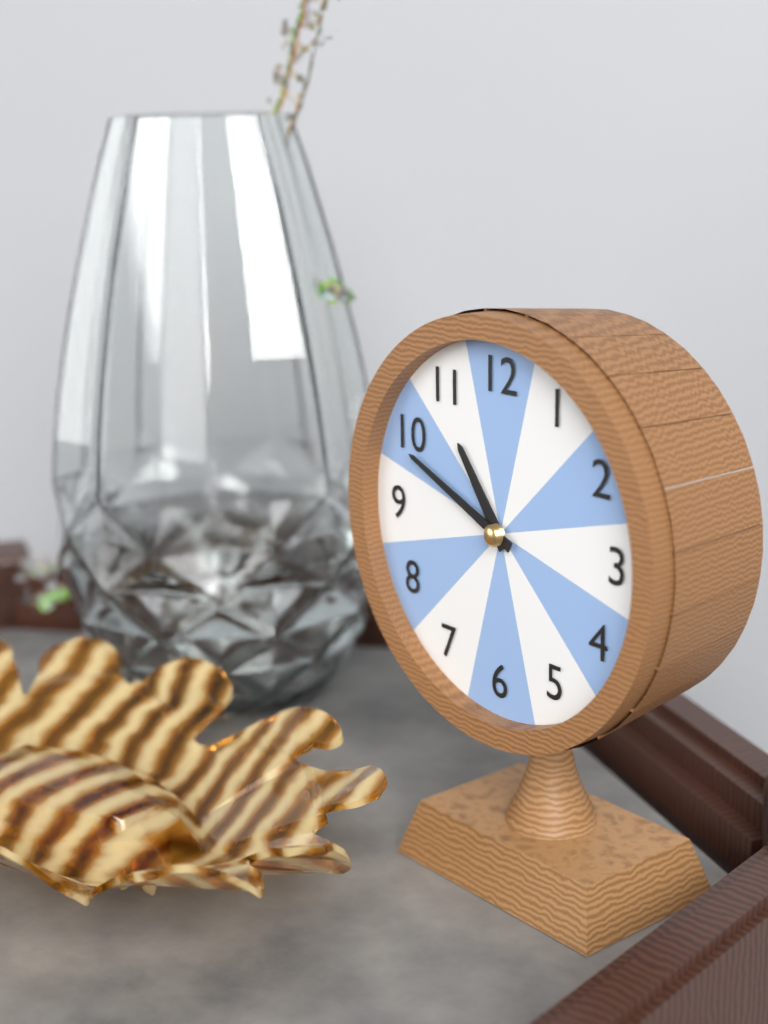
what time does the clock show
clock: 10:49
